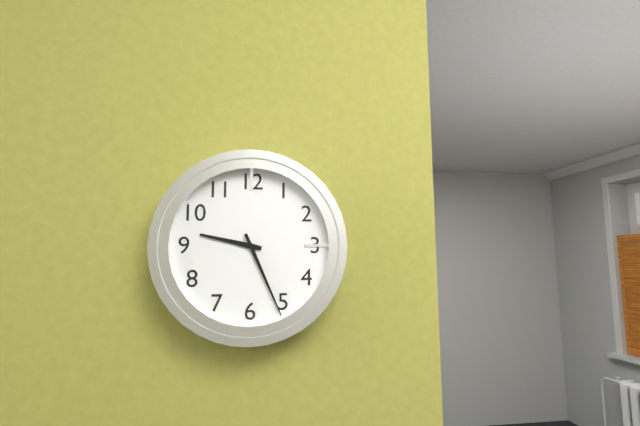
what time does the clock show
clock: 9:26
